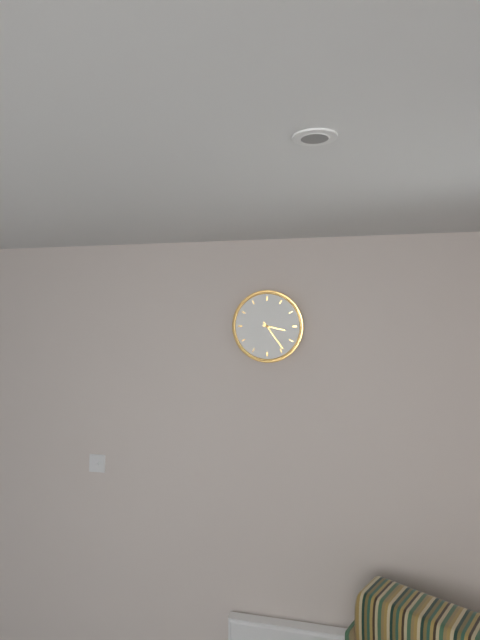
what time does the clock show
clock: 3:24
